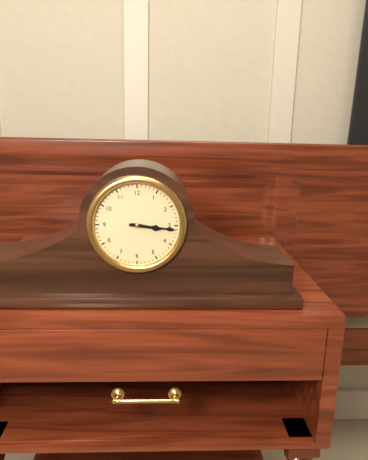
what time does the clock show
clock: 3:16
